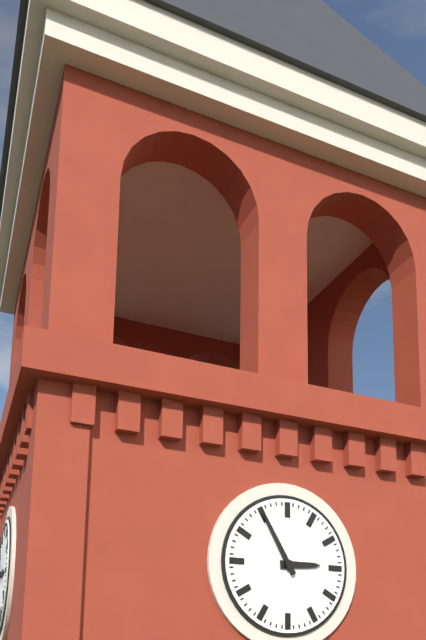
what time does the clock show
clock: 2:55
